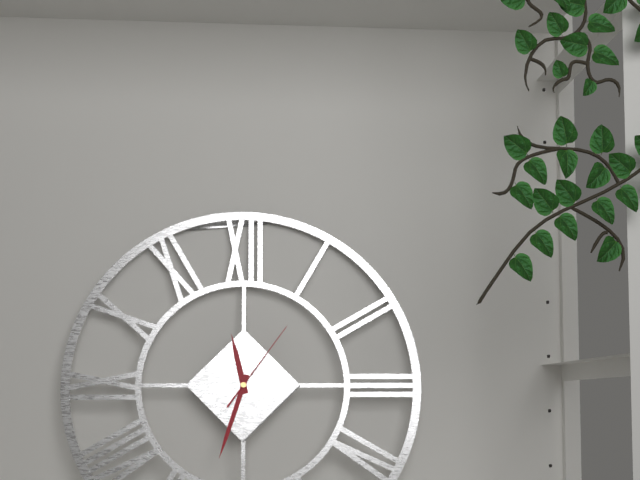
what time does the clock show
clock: 11:33:06
